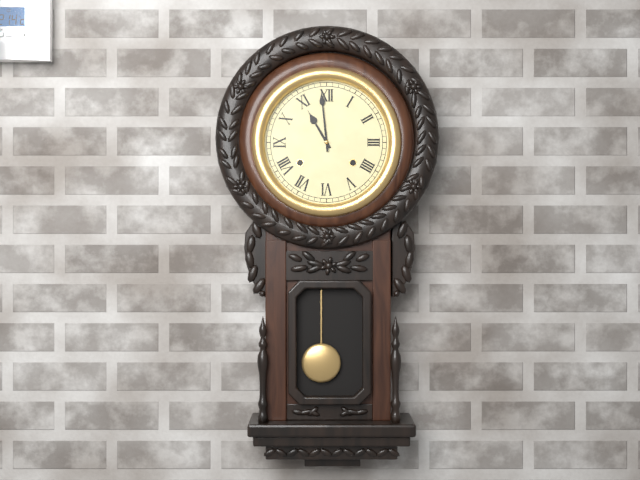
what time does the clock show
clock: 10:59
